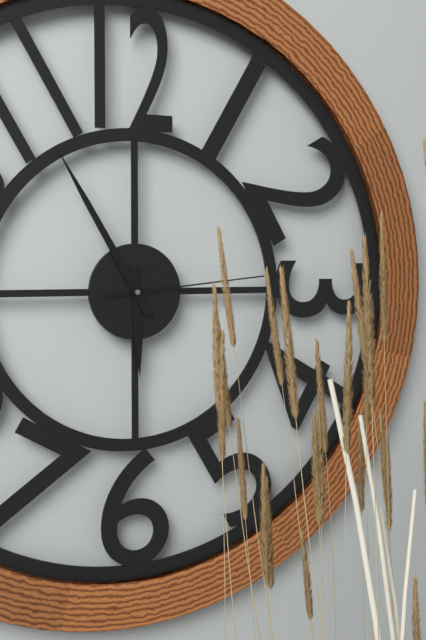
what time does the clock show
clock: 5:55:14
